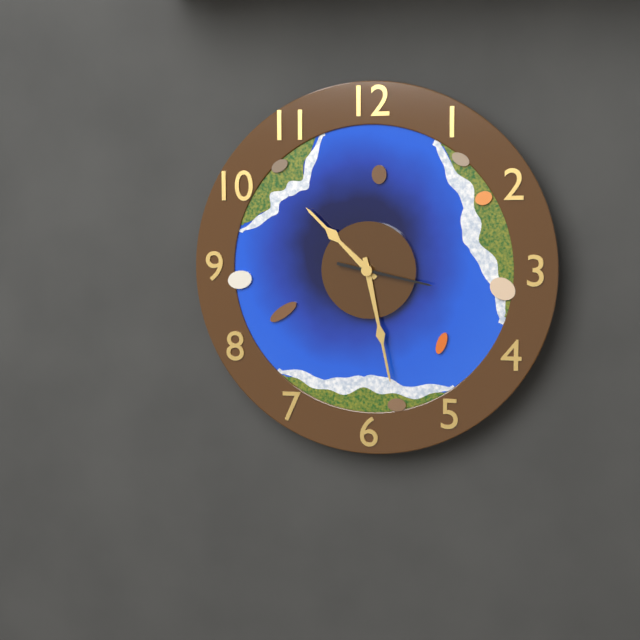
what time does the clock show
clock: 10:28:17
